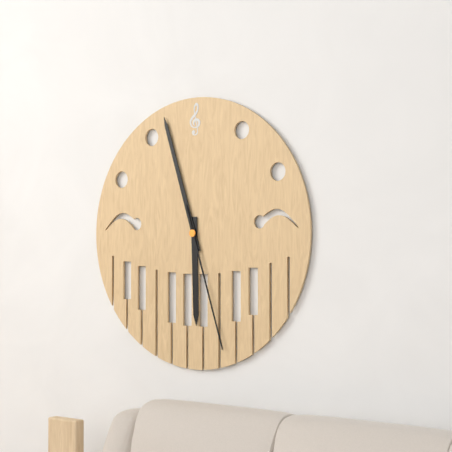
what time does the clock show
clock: 5:57:27
